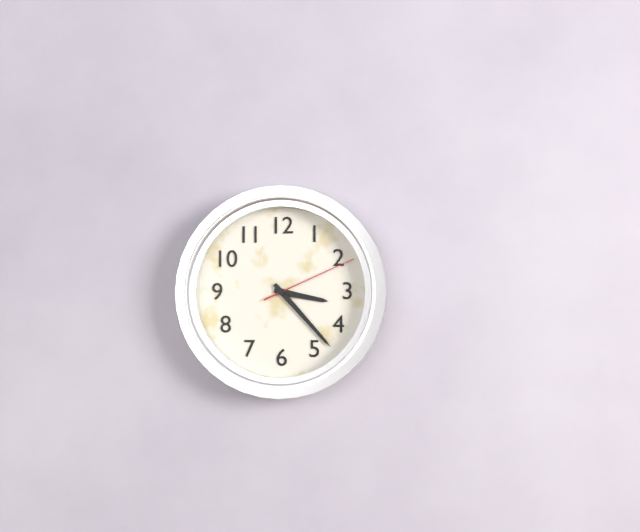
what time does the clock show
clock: 3:23:11
